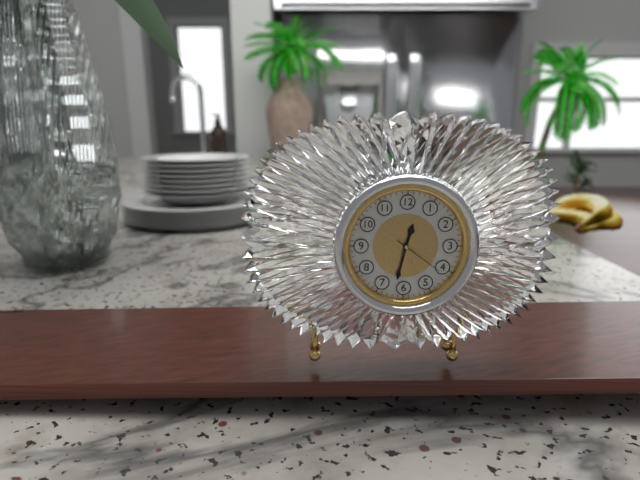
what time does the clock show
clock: 12:32:21
